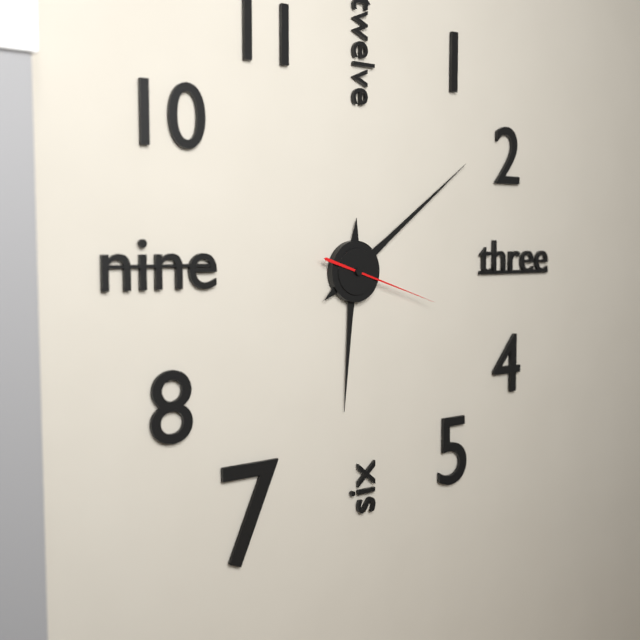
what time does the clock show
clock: 6:09:18
